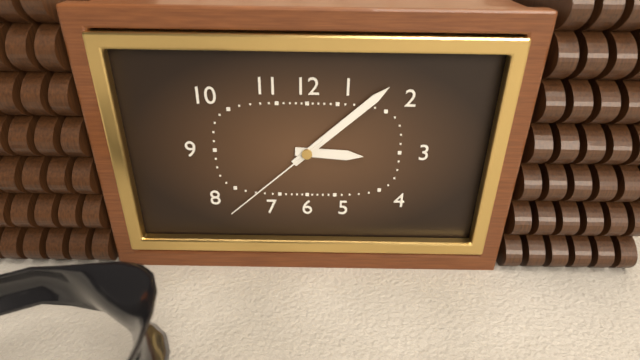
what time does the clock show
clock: 3:08:38
